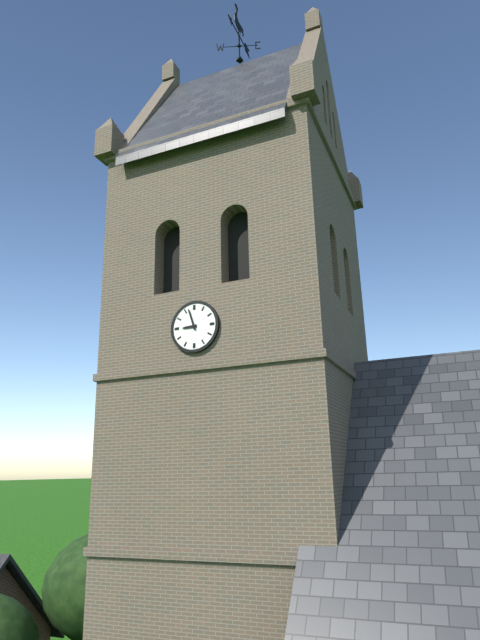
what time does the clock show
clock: 8:57
